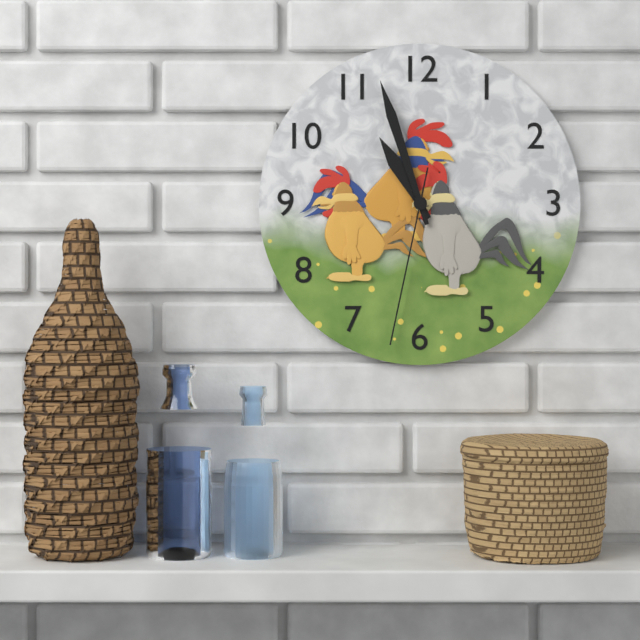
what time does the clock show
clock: 10:57:32
